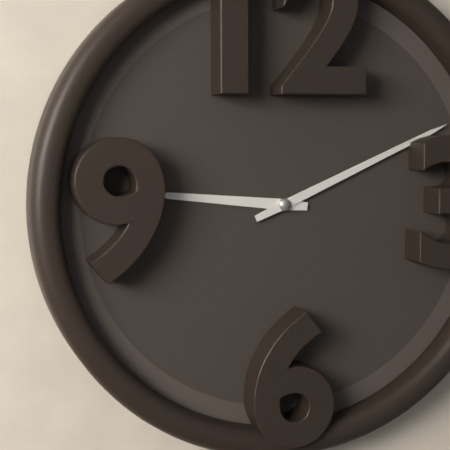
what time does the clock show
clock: 9:11
